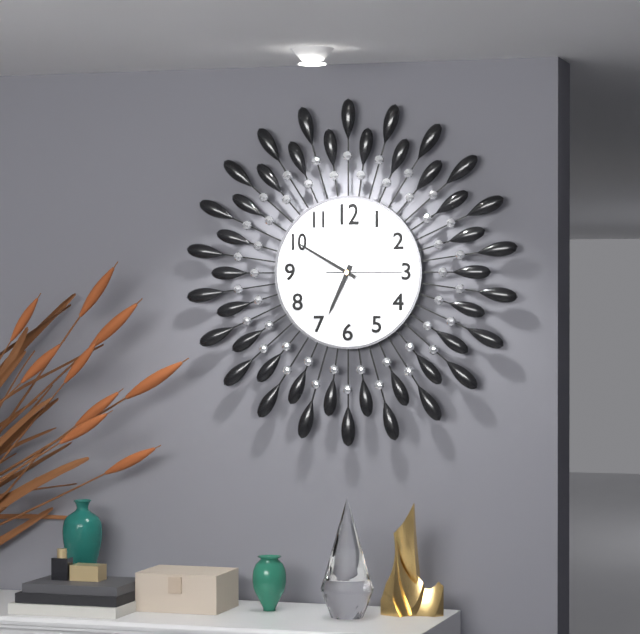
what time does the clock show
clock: 6:50:15
